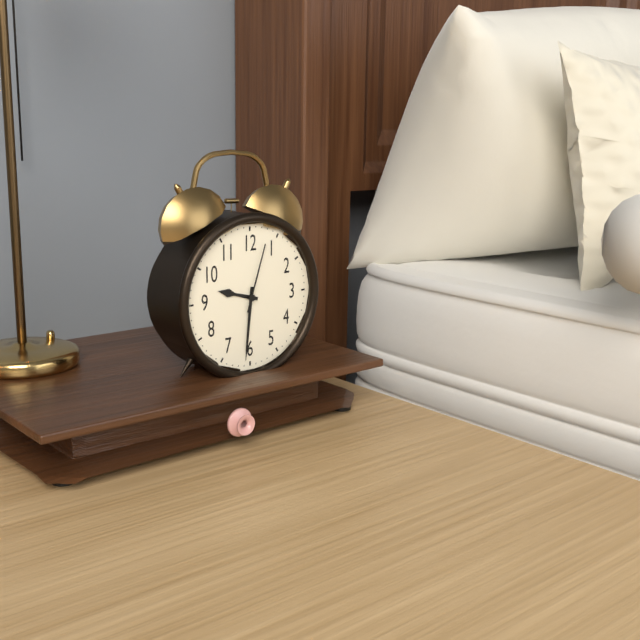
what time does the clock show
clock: 9:31:03
